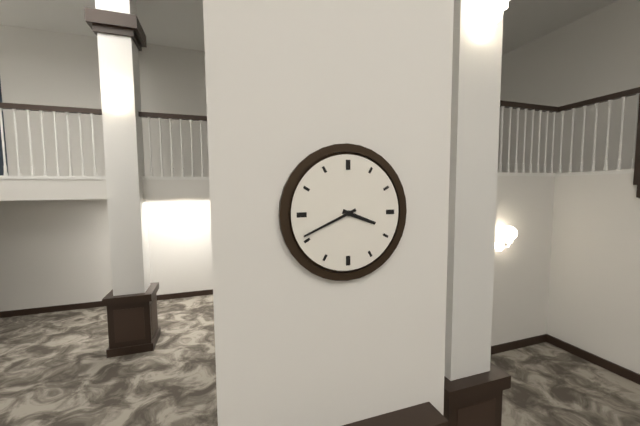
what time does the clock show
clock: 3:41
